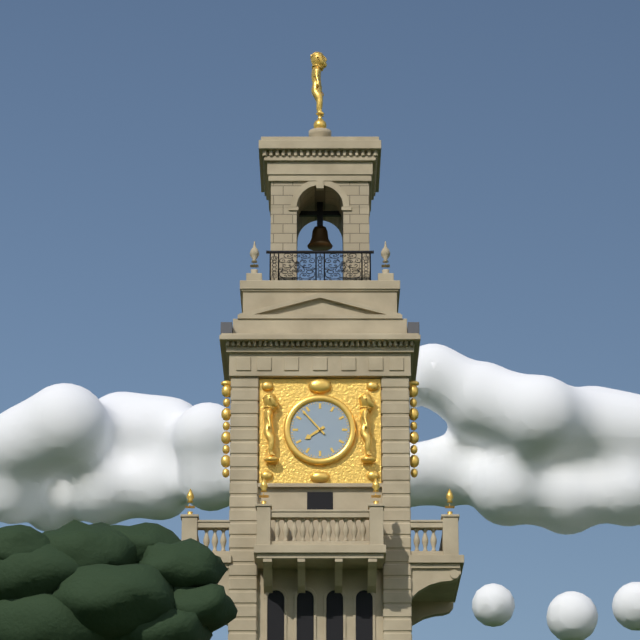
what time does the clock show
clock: 7:53
